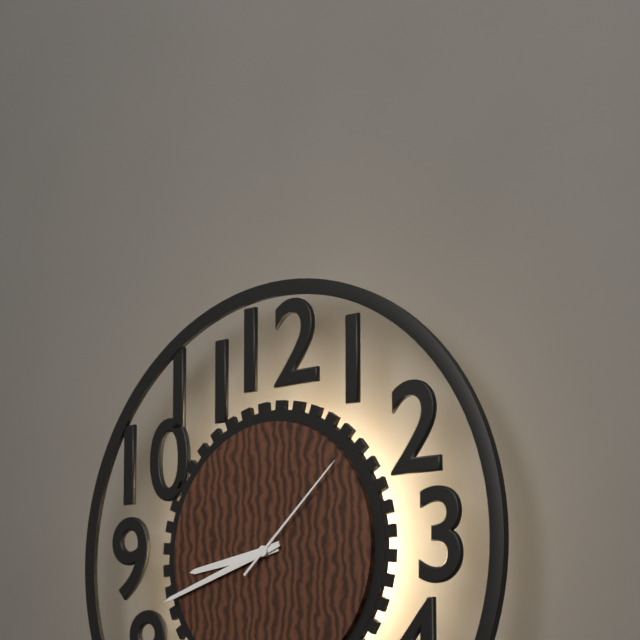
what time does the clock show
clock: 8:42:08
